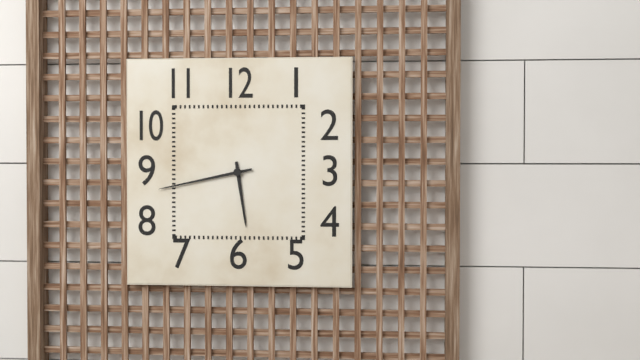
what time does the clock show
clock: 5:43
